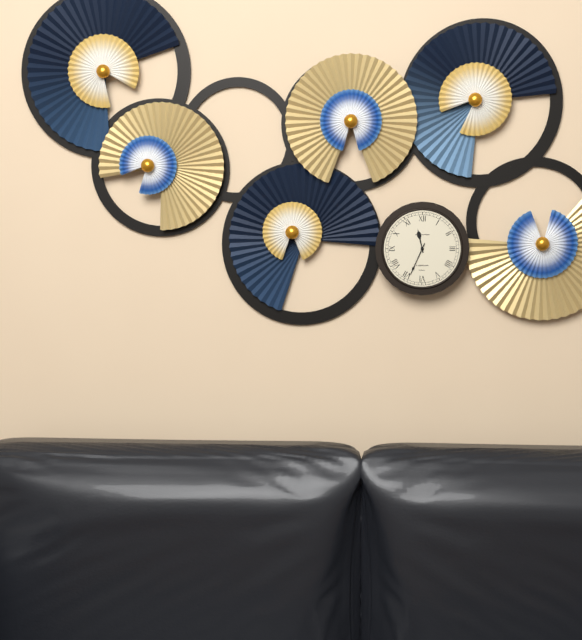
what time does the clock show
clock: 11:34
